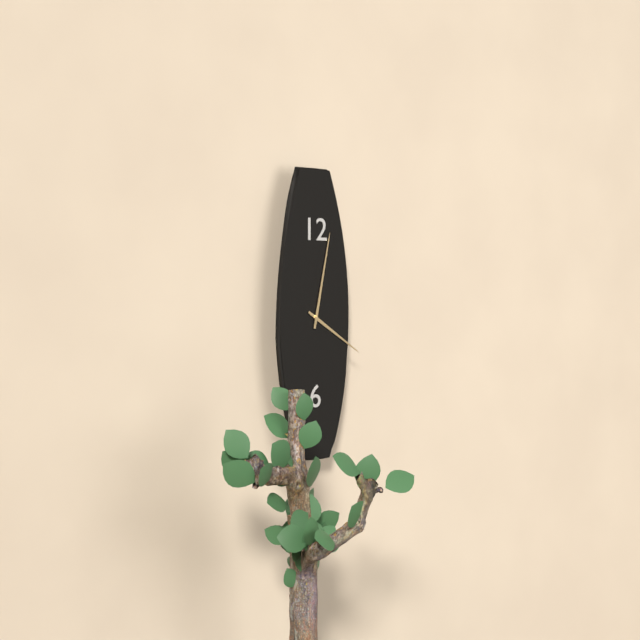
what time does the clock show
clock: 4:02
